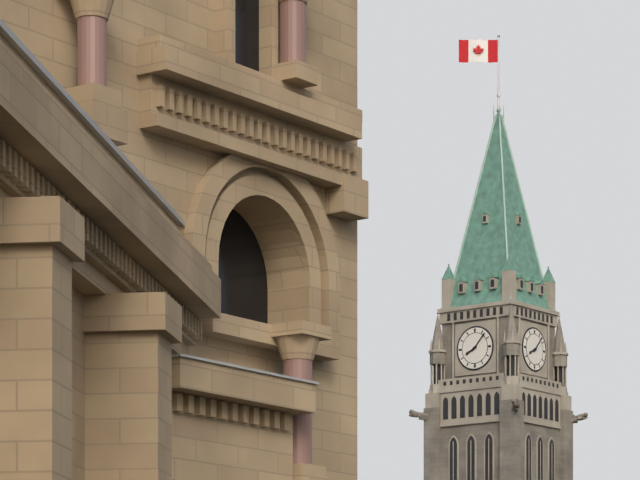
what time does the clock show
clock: 8:07
